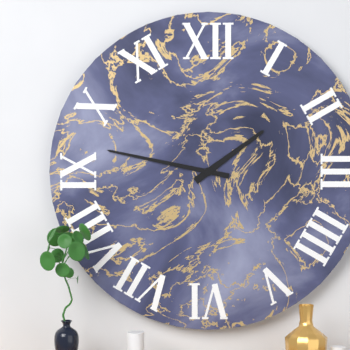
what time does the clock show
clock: 1:47
